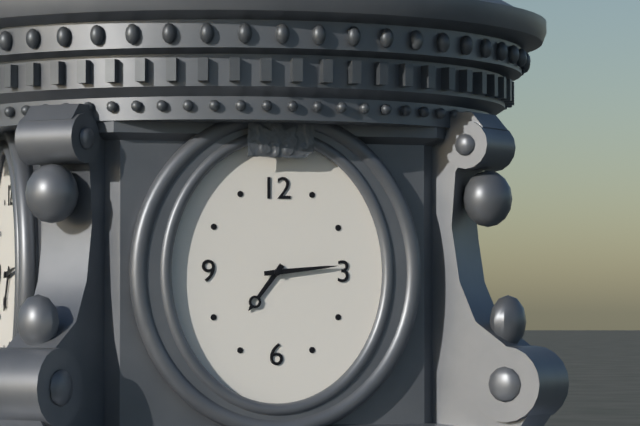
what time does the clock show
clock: 7:14
